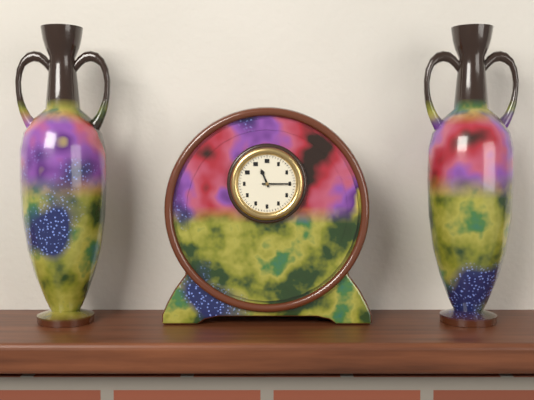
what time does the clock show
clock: 11:15
